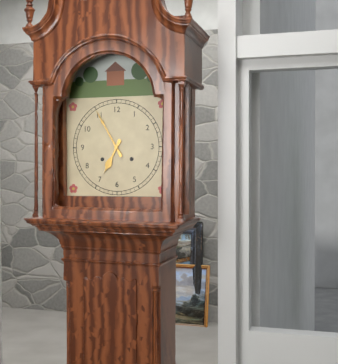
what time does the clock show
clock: 6:55
